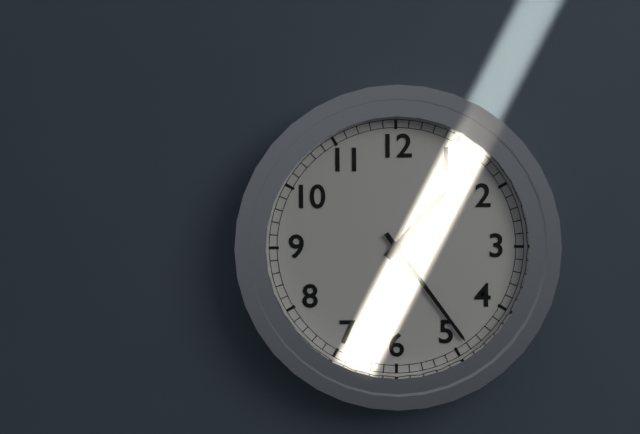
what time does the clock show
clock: 1:24
